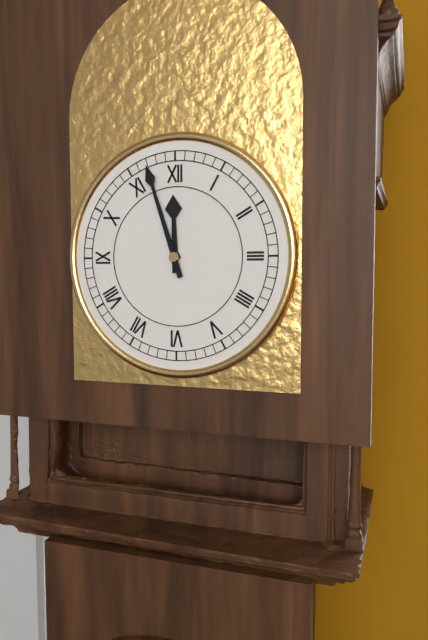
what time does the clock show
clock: 11:57
